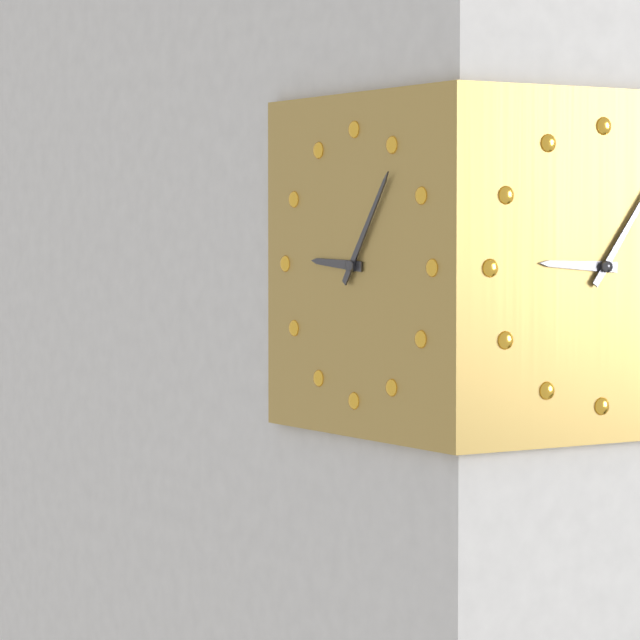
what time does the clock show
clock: 9:06
